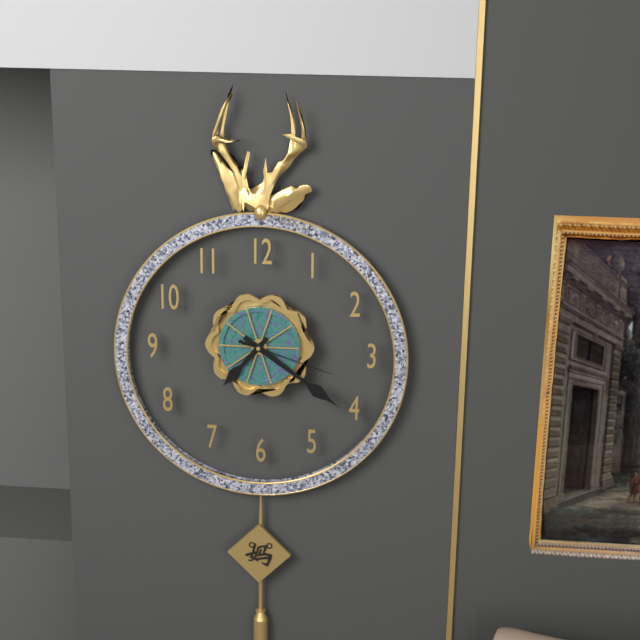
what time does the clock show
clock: 7:21:18
